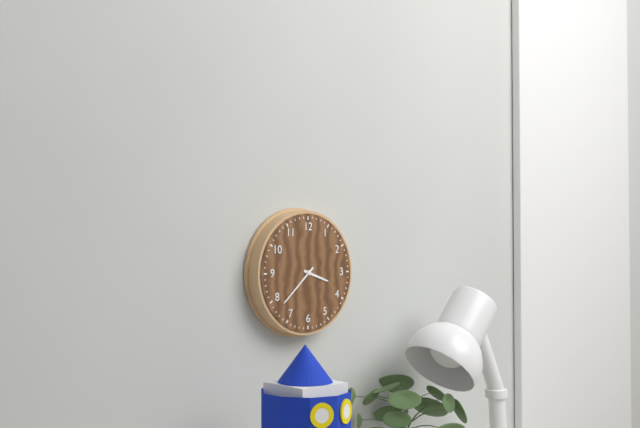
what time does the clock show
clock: 3:38
